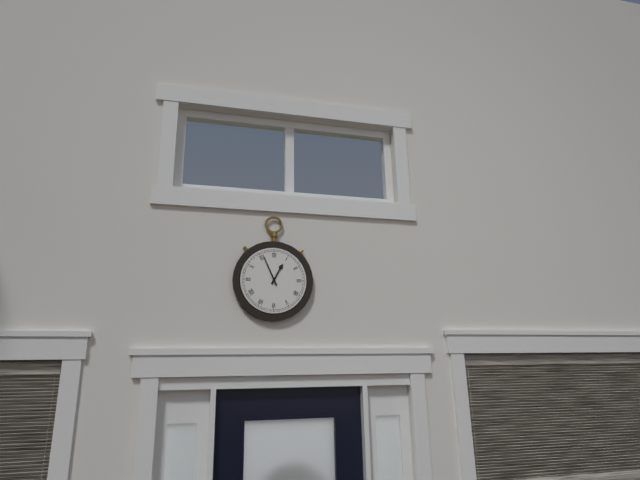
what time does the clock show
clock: 12:56
